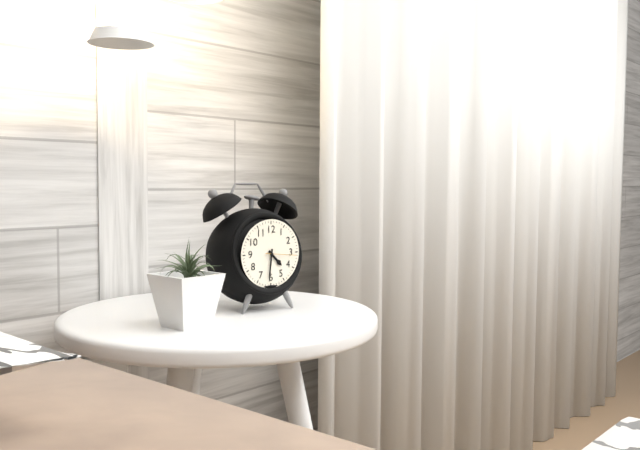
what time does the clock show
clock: 4:31
